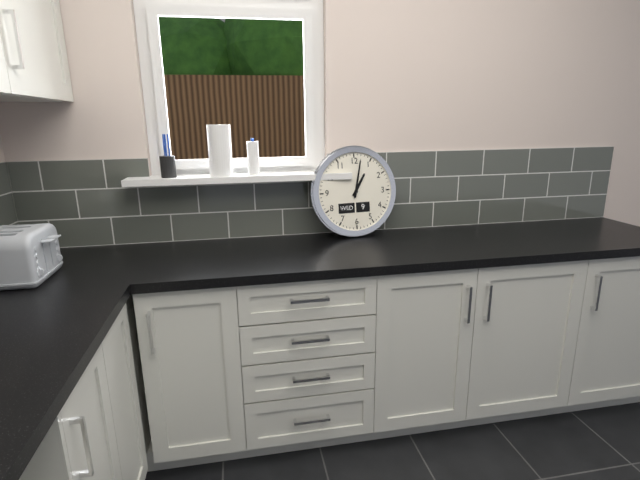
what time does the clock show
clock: 1:02
